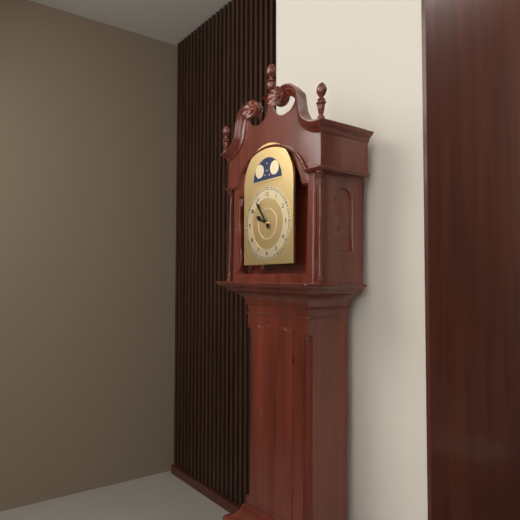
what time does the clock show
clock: 9:54
